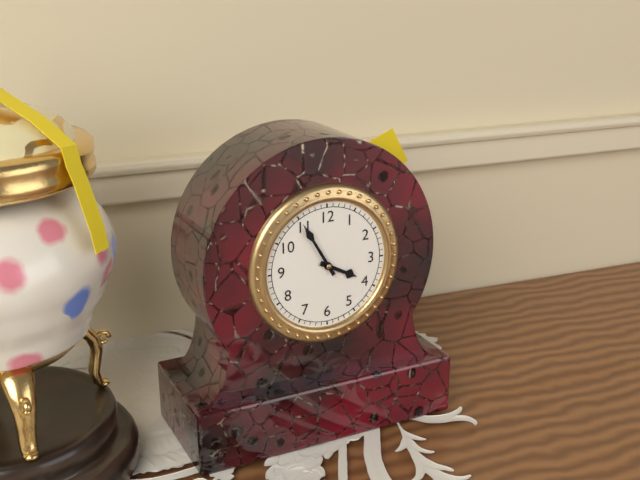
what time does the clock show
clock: 3:55
